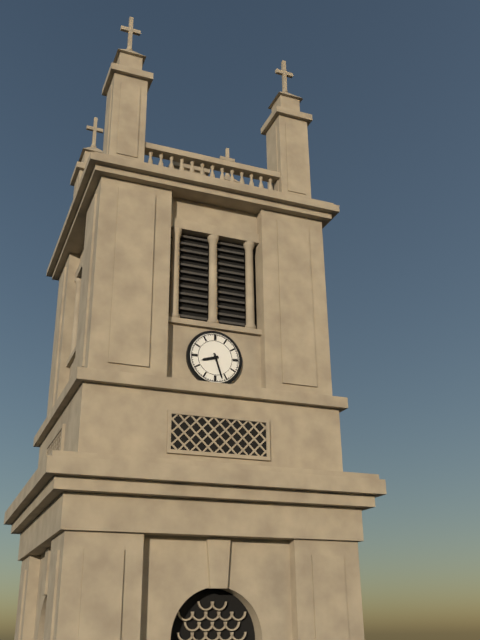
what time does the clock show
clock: 8:27
